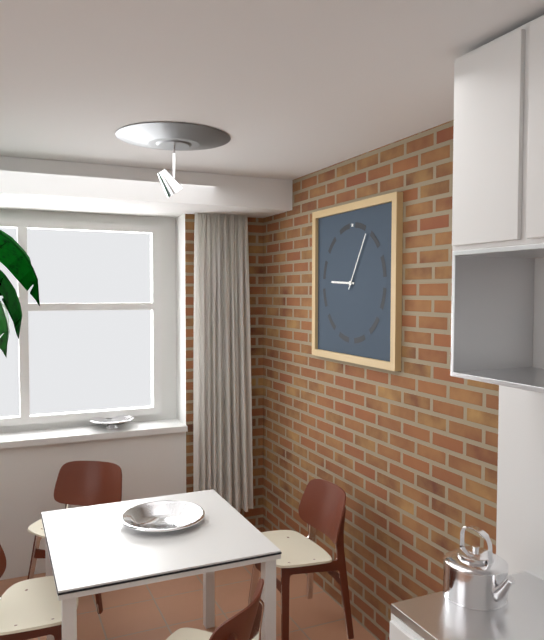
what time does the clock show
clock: 9:05
